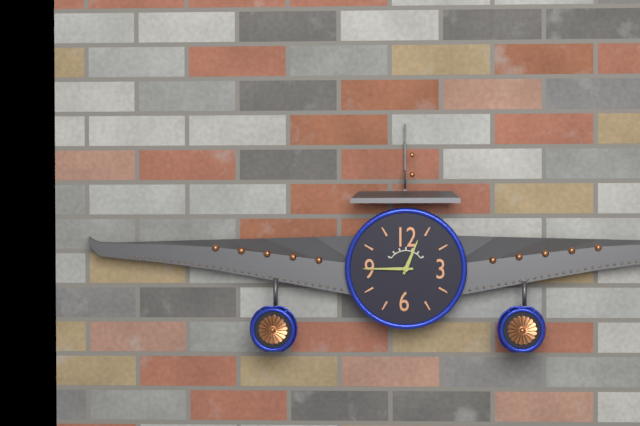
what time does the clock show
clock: 12:45
